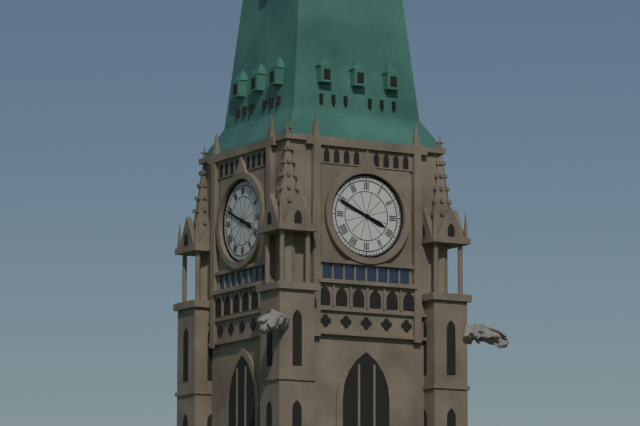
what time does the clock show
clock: 3:49
